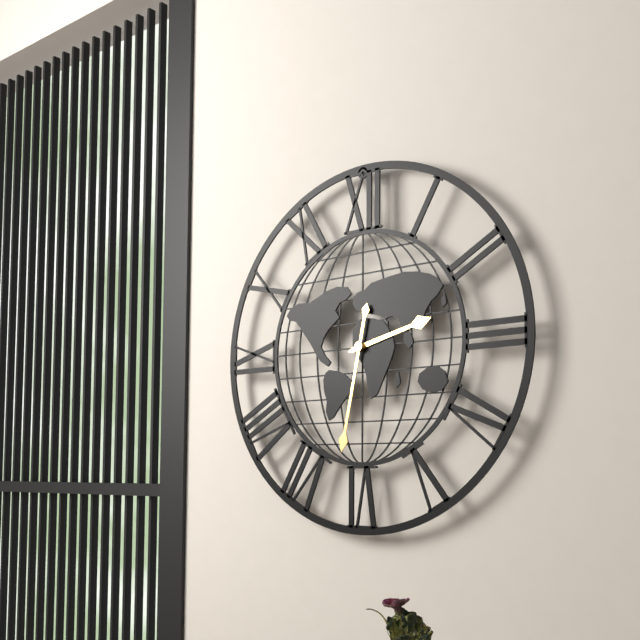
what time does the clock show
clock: 2:32
